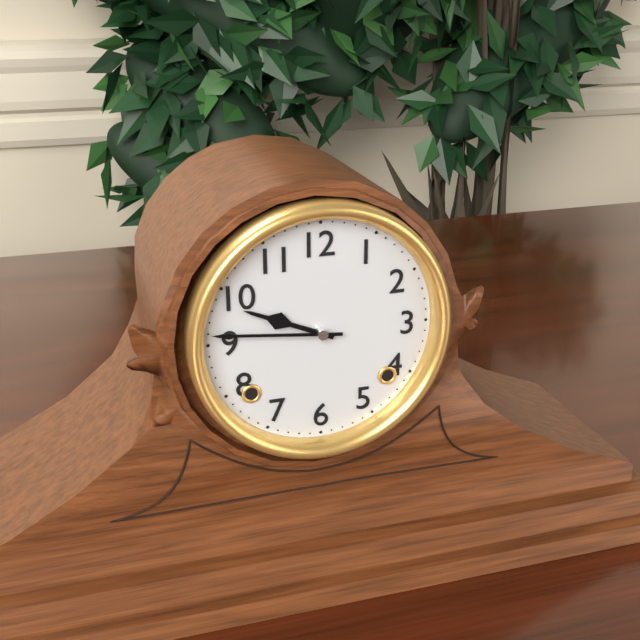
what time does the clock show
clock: 9:46
